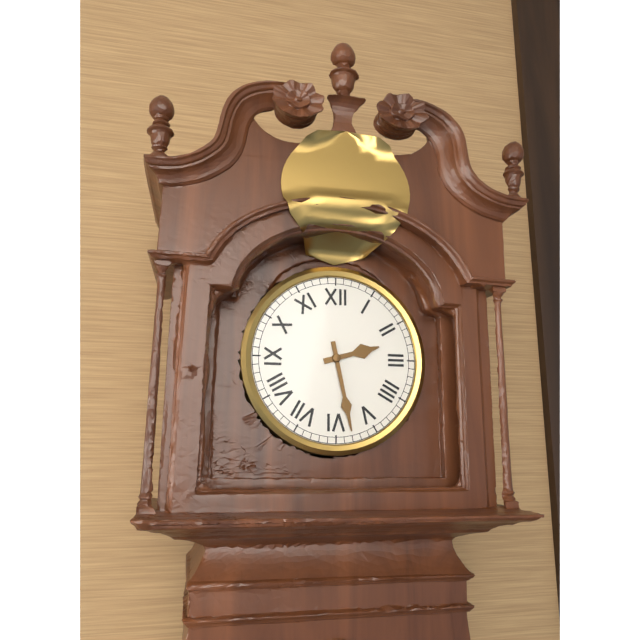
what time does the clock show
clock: 2:28
